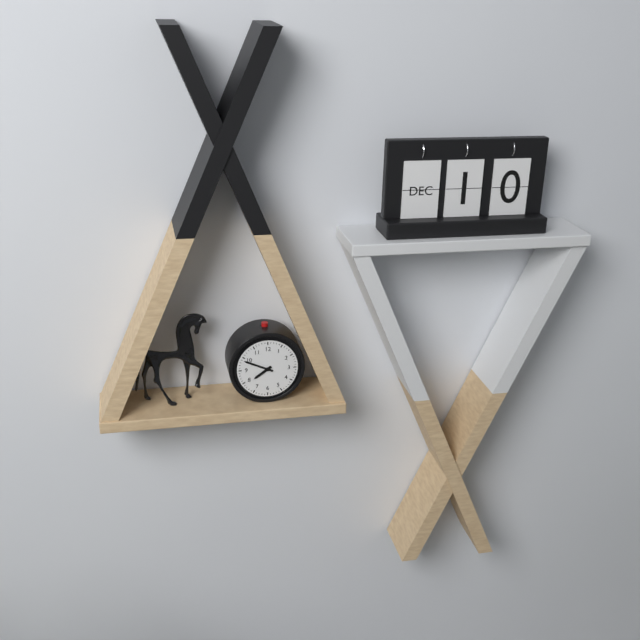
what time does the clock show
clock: 7:49
